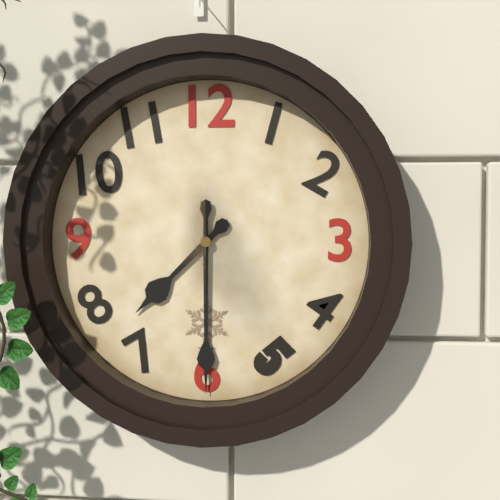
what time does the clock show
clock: 7:30
